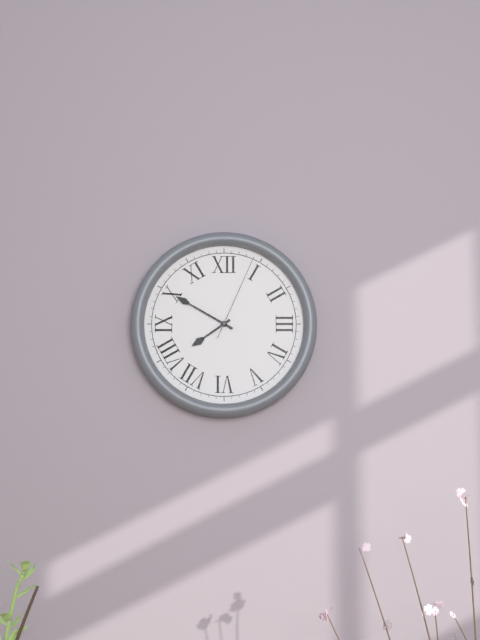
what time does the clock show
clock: 7:50:04
